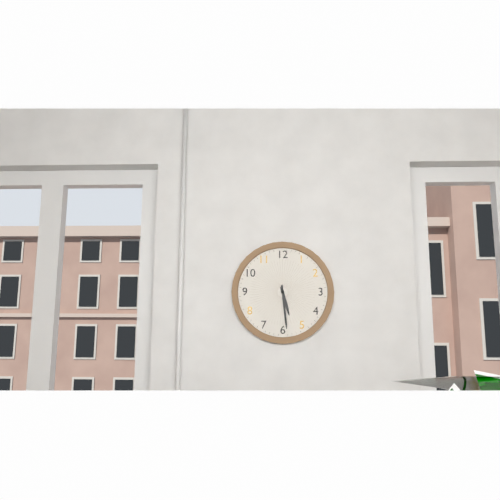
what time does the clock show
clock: 5:29
